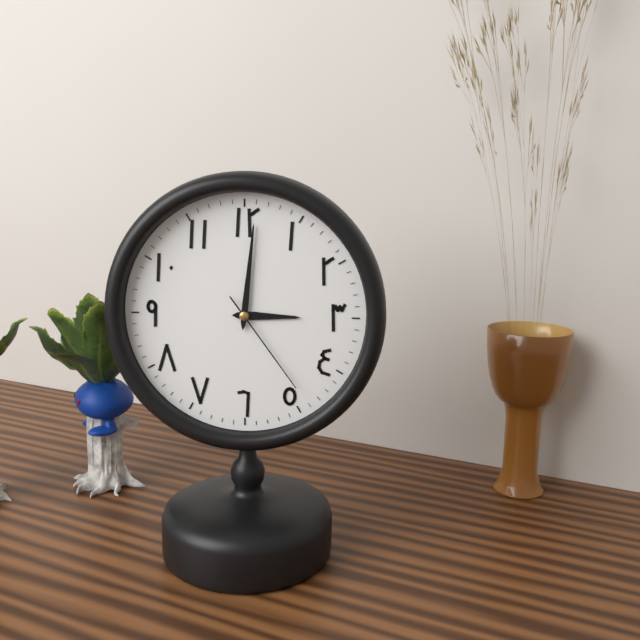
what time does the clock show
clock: 3:01:24
